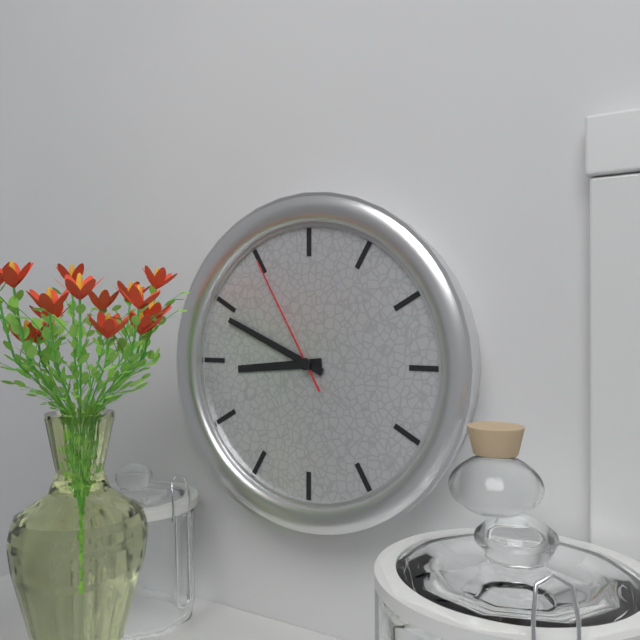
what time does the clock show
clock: 8:49:55
